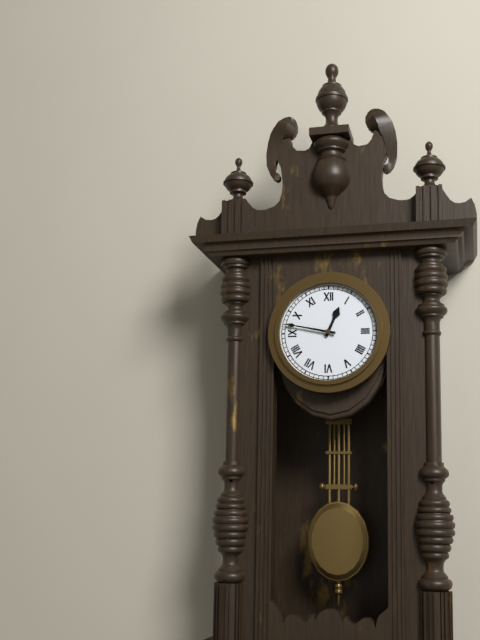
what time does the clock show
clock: 12:47
